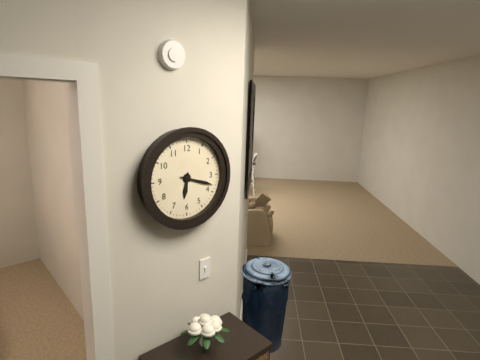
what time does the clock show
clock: 6:18
